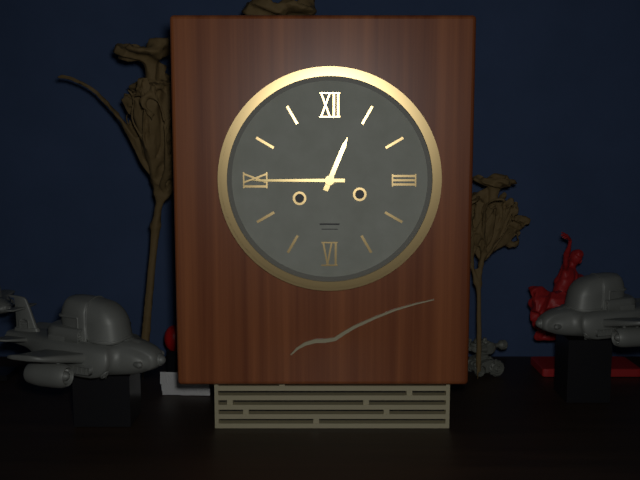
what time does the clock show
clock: 12:45
